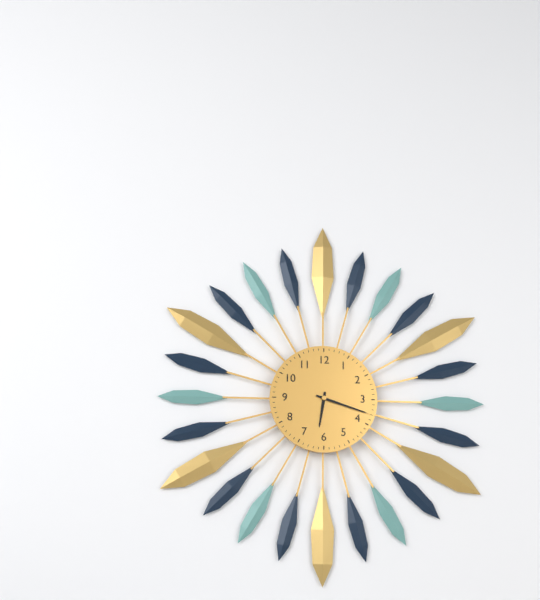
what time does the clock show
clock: 6:18
